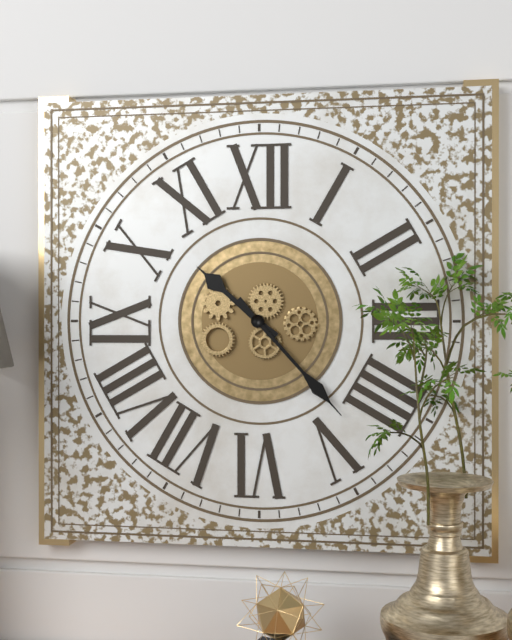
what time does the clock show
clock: 10:23
